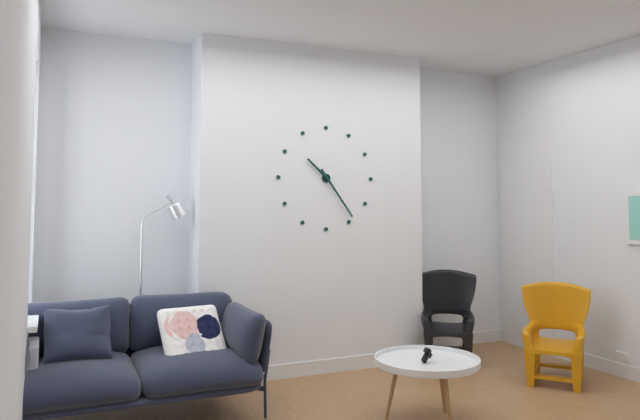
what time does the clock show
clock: 10:24
